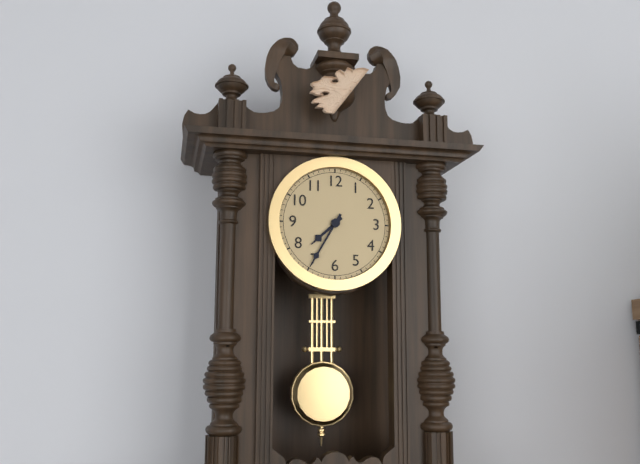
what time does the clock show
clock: 7:35
